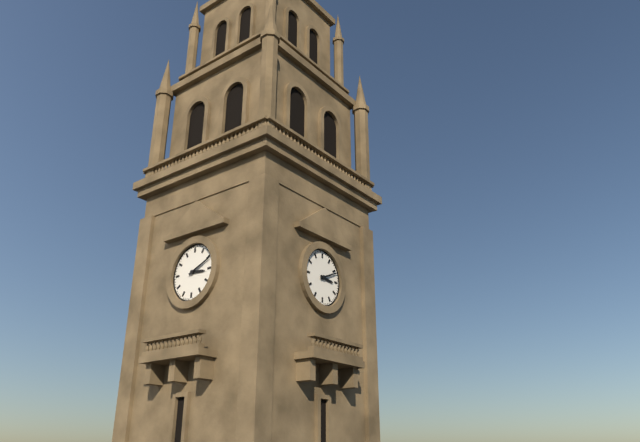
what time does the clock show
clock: 3:11
